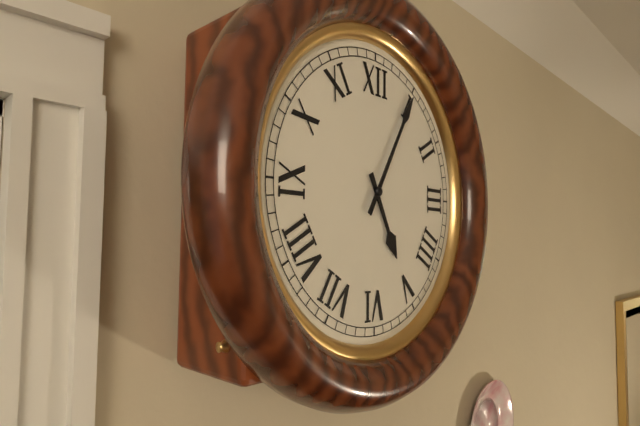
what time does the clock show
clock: 5:05
